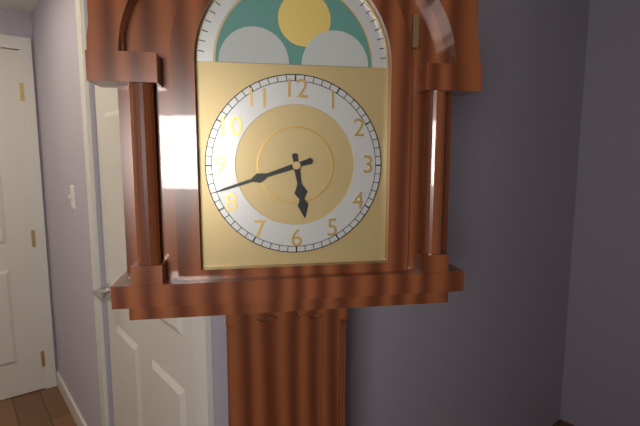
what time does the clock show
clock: 5:42
